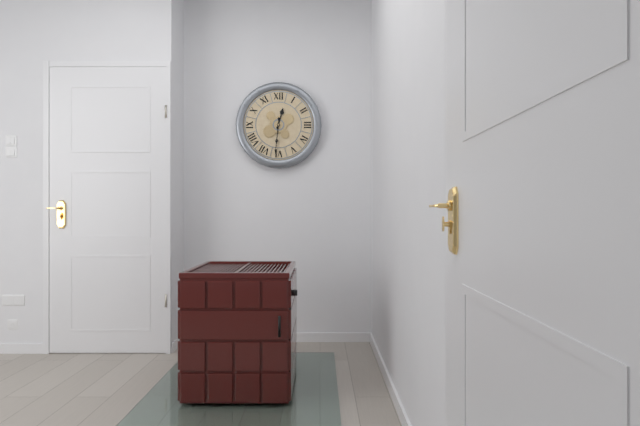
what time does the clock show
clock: 12:31
